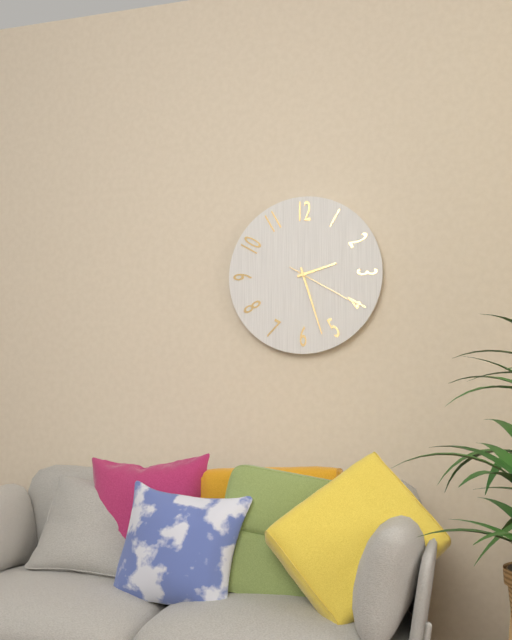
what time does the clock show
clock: 2:27:20
